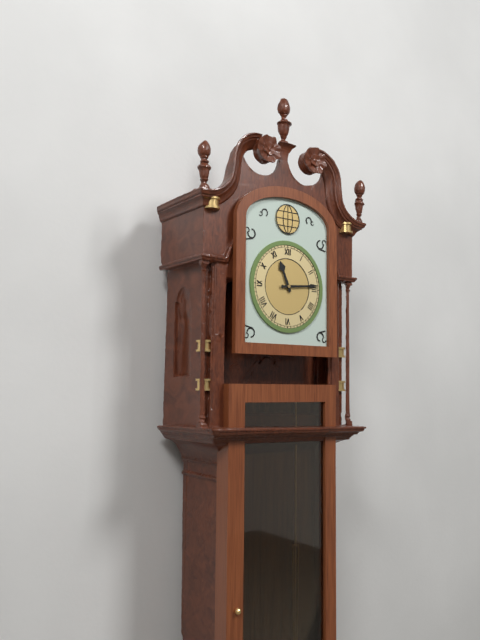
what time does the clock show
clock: 11:14
